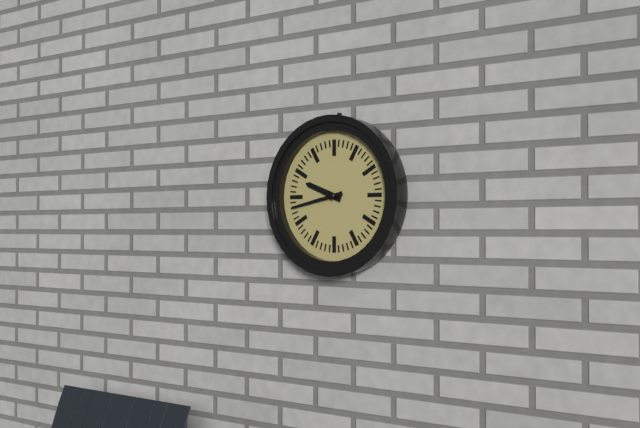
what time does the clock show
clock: 9:43
